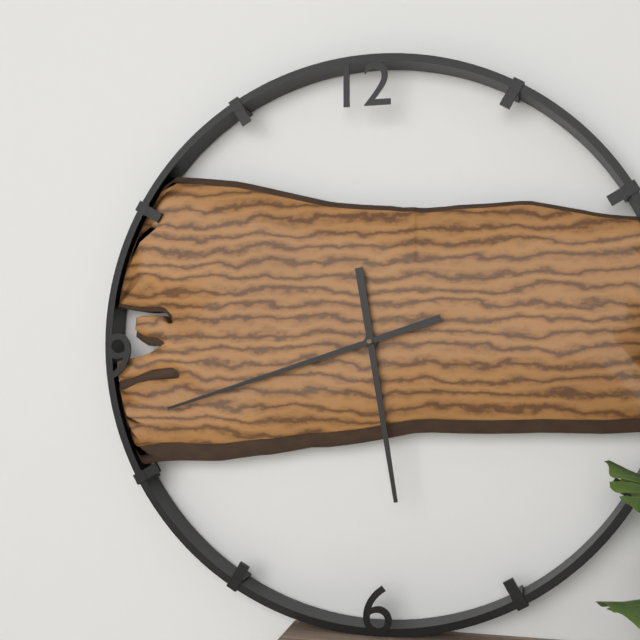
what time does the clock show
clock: 5:42
